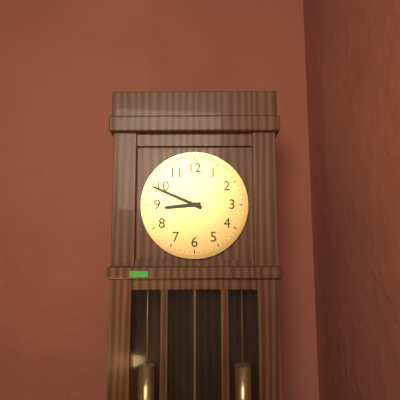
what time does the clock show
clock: 8:49
